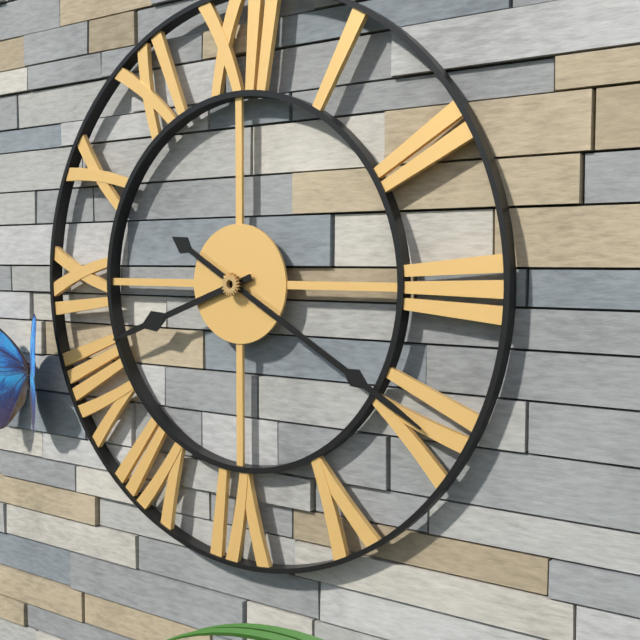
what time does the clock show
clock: 8:20
